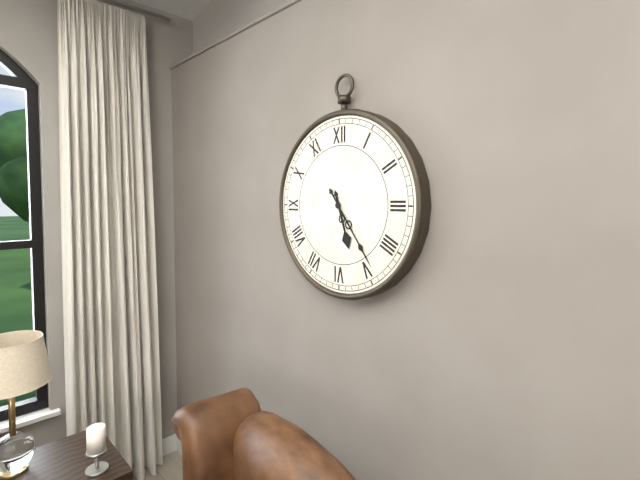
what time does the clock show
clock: 5:24
